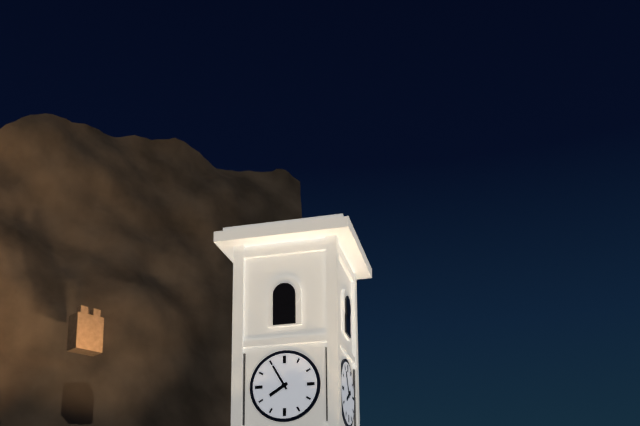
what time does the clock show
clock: 7:55
